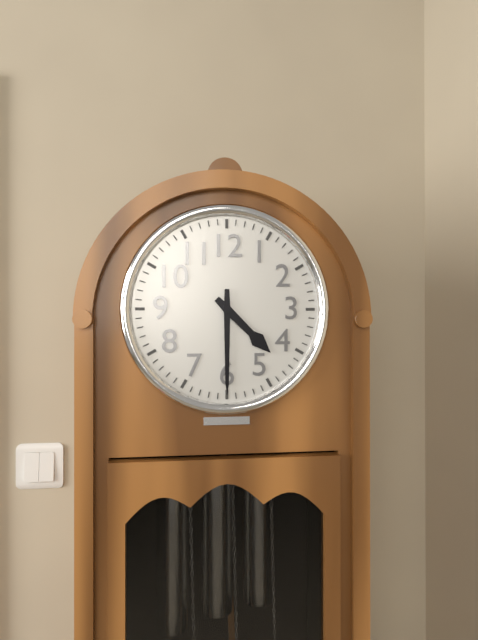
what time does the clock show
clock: 4:30
